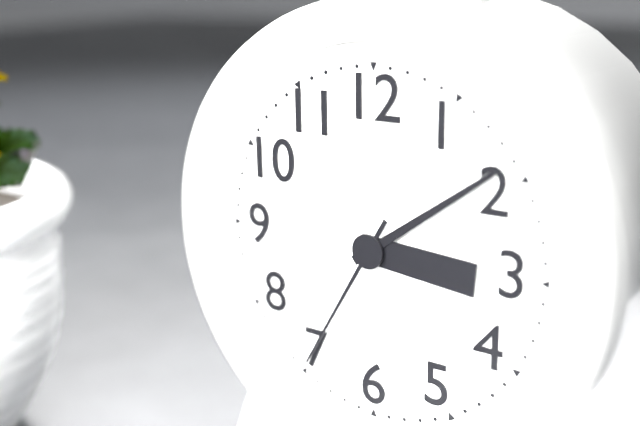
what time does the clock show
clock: 3:09:35
